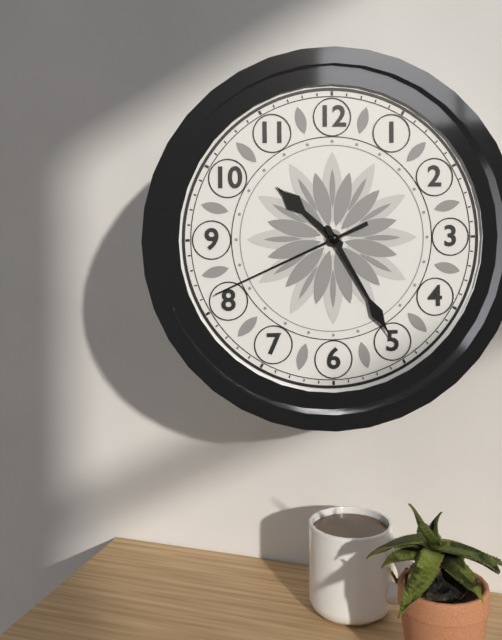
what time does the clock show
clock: 10:25:41
